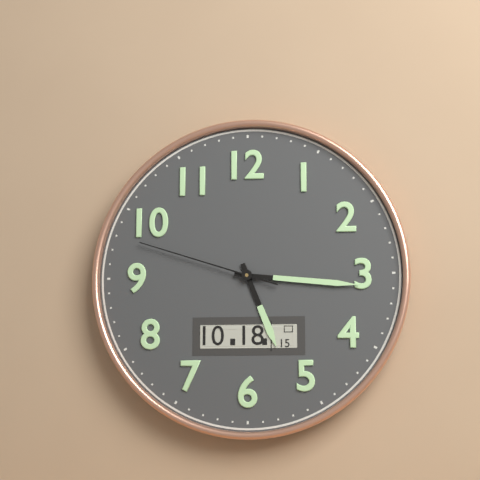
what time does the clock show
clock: 5:16:48
